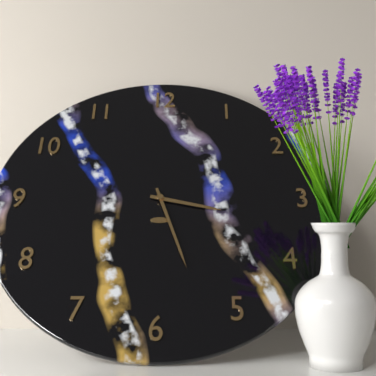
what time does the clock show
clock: 3:27
